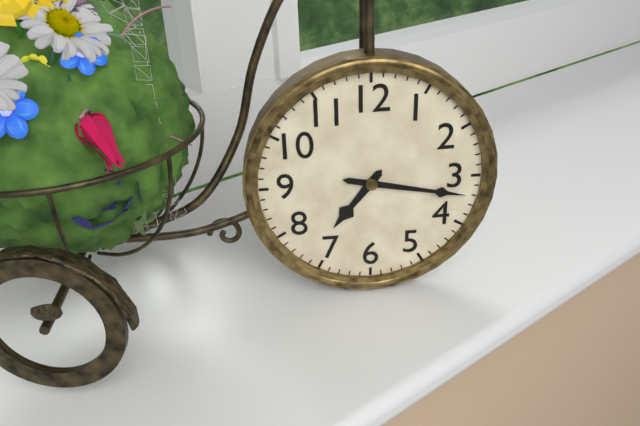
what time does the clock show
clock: 7:17
